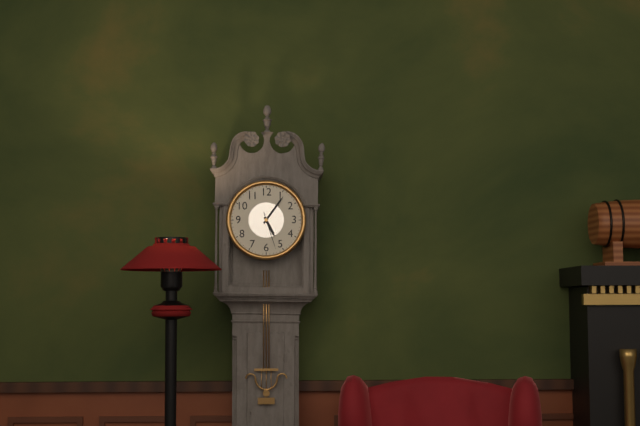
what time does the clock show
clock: 5:06
